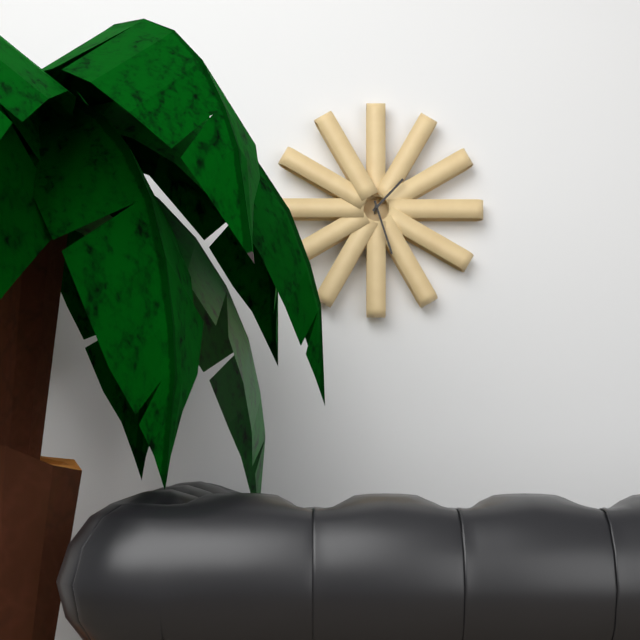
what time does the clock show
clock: 1:27
